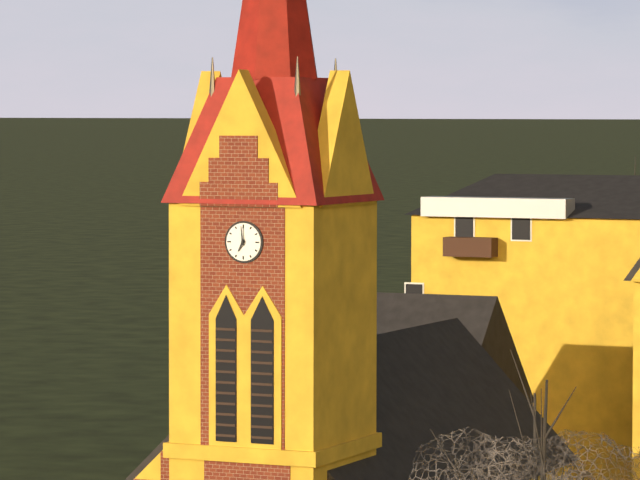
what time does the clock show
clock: 6:59
